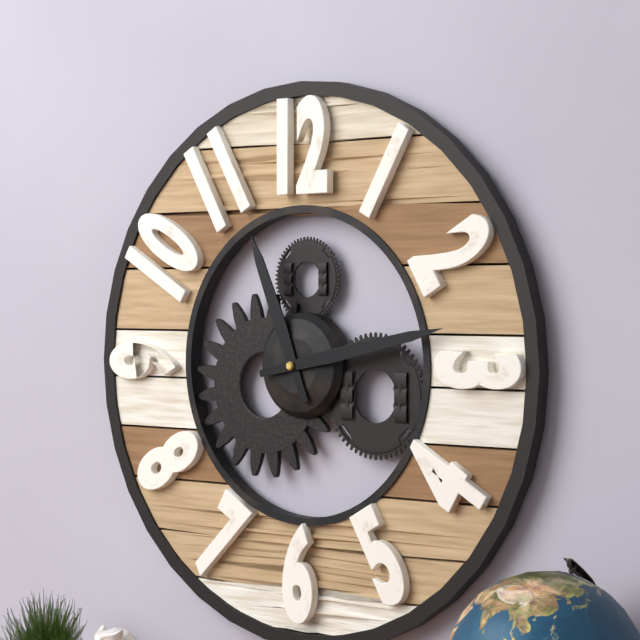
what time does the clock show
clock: 11:13
